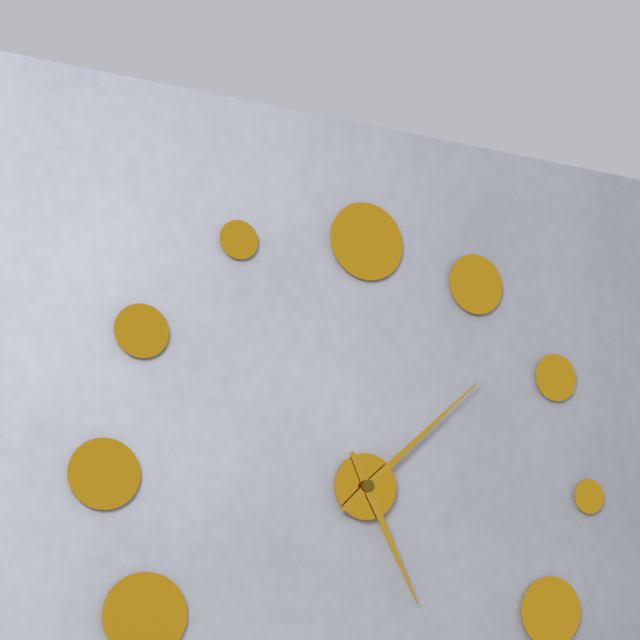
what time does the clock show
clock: 5:08
